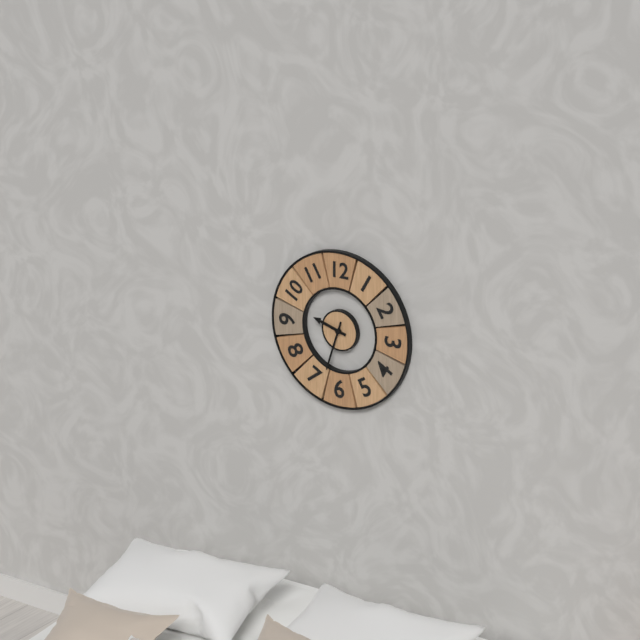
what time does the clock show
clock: 9:33
